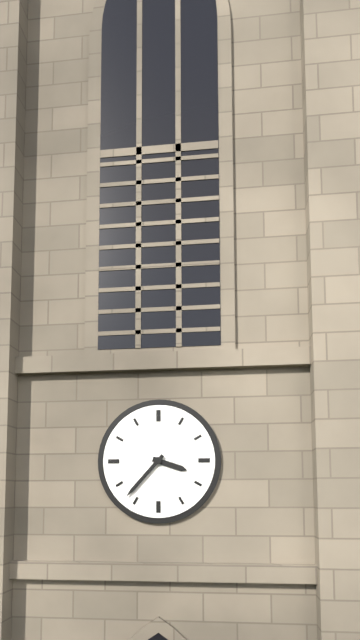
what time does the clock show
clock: 3:37
